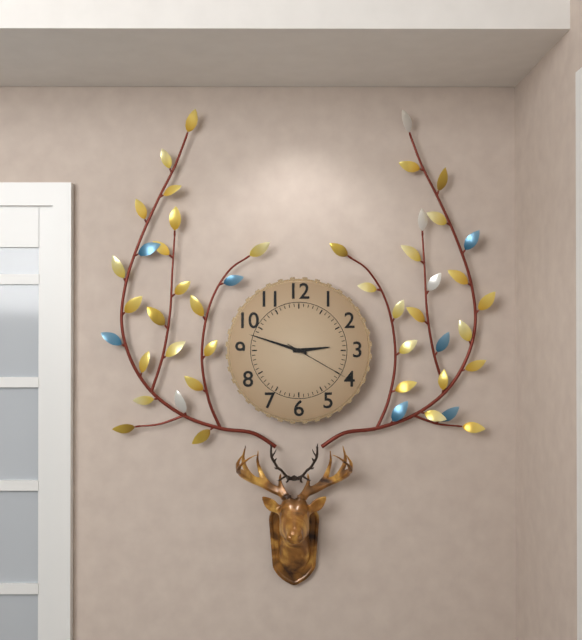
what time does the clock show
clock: 2:48:20
